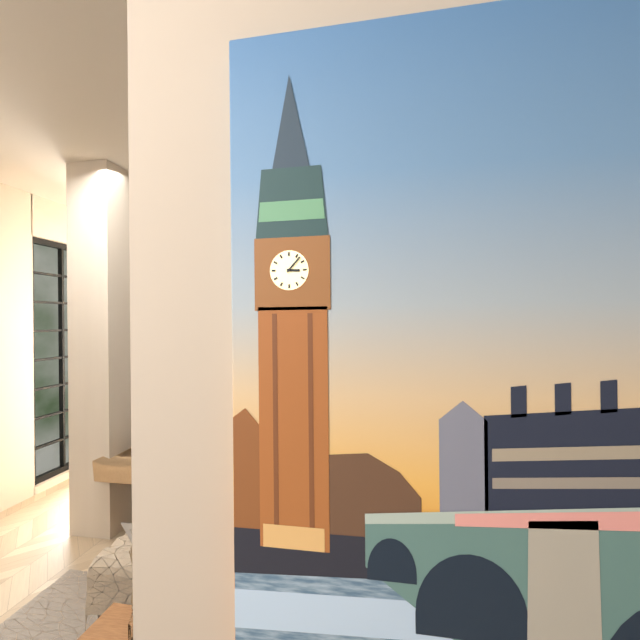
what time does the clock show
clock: 3:07
